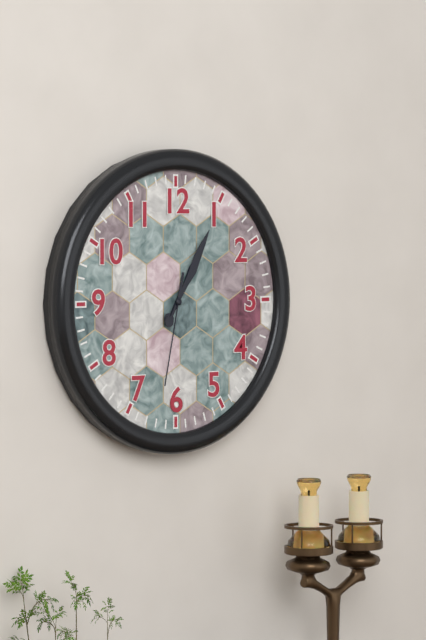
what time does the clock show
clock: 1:05:32
